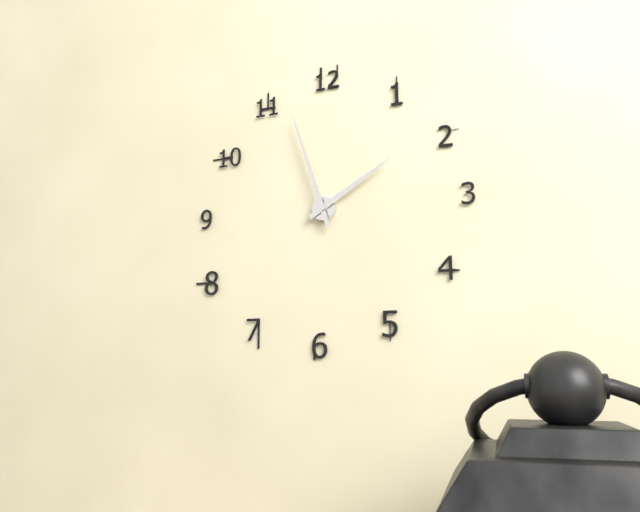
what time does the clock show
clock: 1:57
